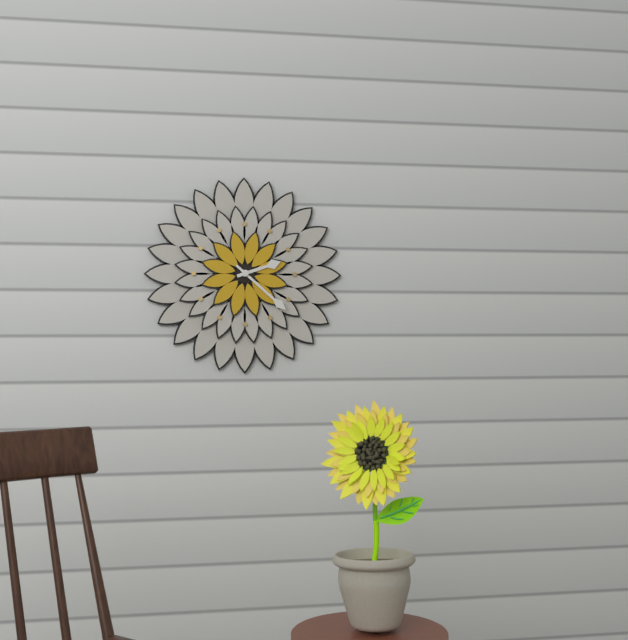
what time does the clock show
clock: 2:22
